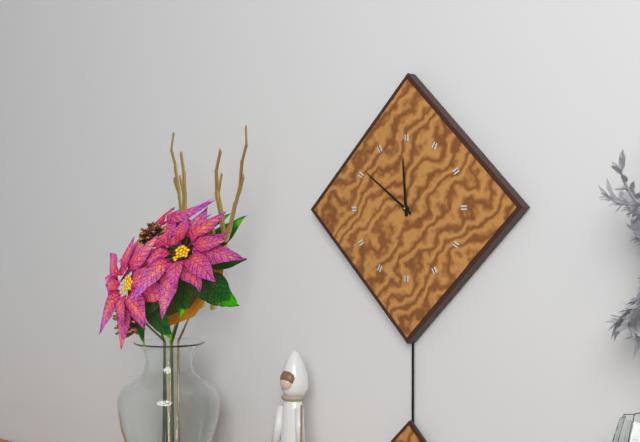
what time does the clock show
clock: 11:51
